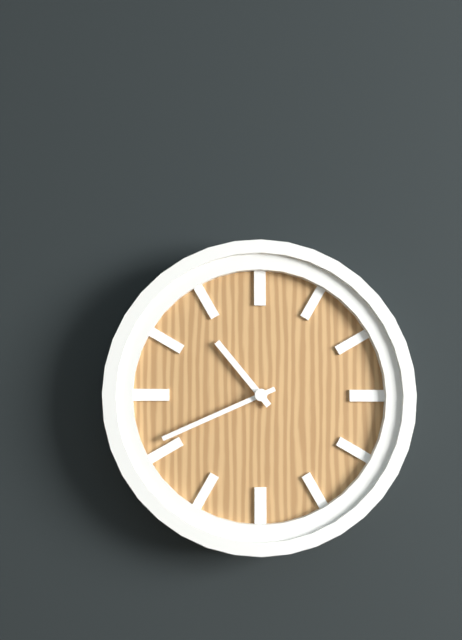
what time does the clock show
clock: 10:41
